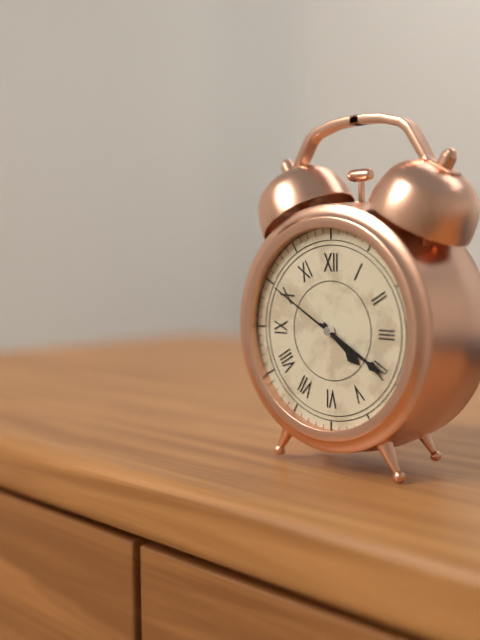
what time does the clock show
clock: 4:20:50
